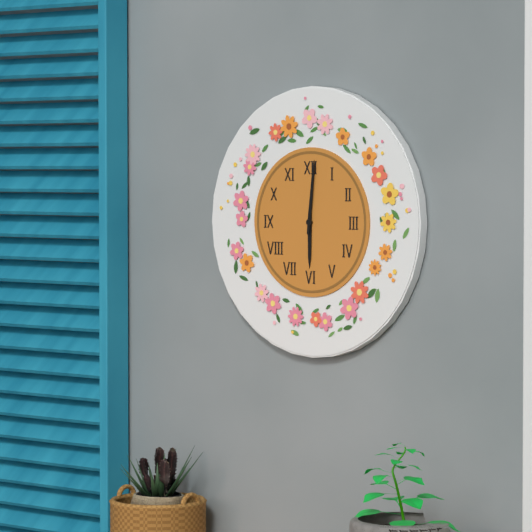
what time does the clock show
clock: 6:01
